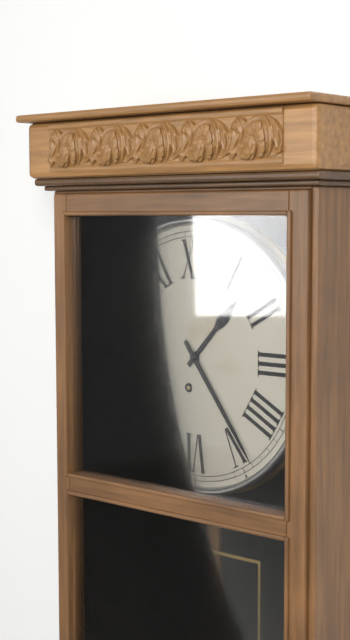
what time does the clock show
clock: 1:24
